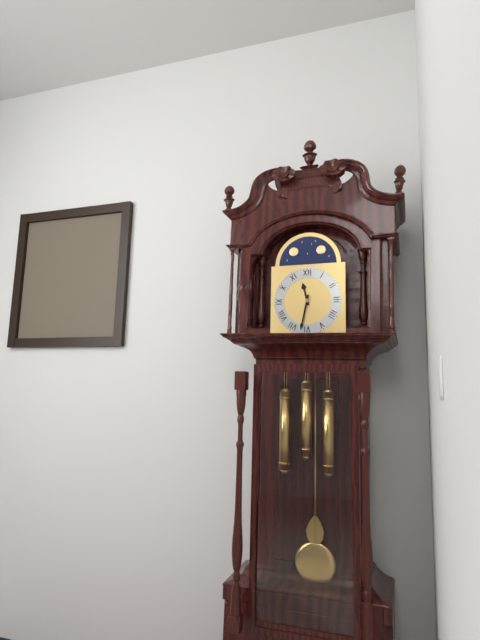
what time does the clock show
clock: 11:32
